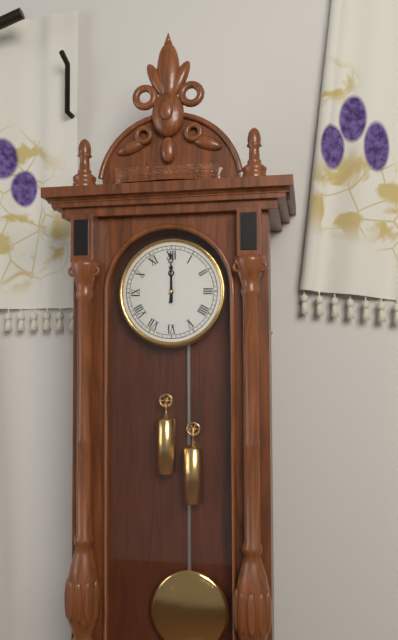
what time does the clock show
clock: 12:00
